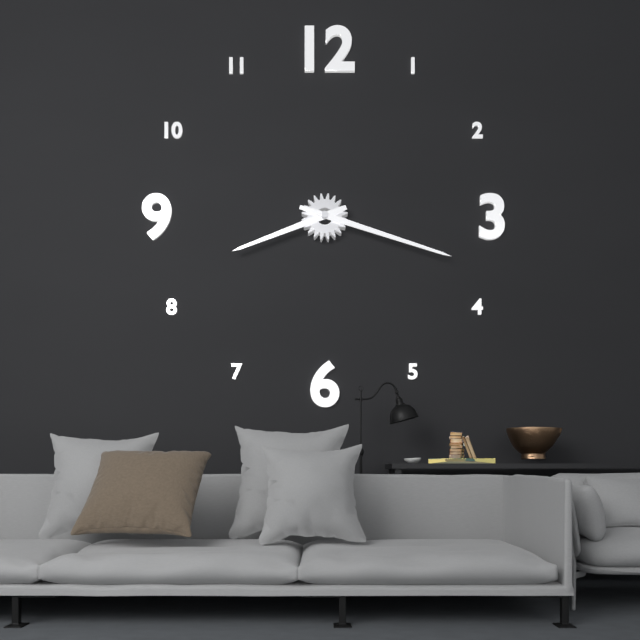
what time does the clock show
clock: 8:18
